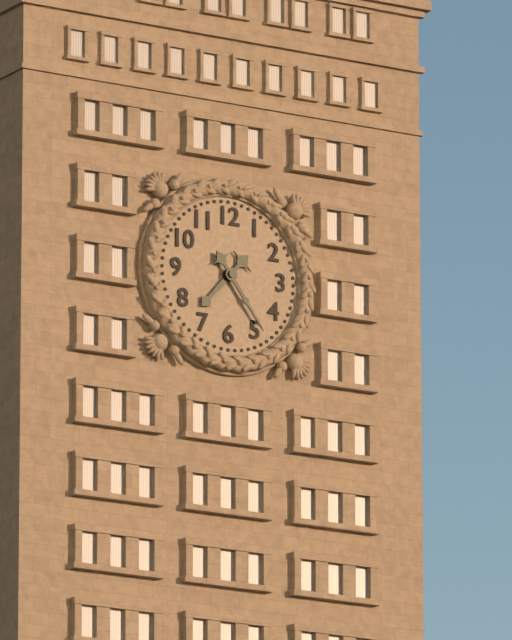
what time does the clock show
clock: 7:24
